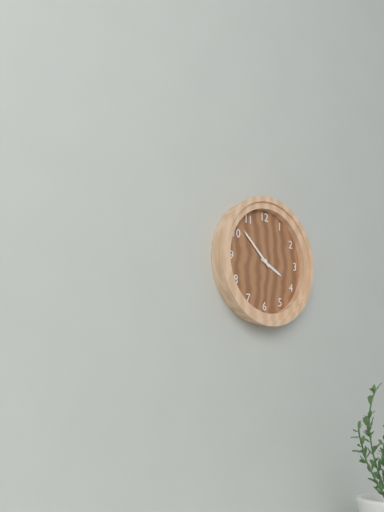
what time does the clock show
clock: 3:52
